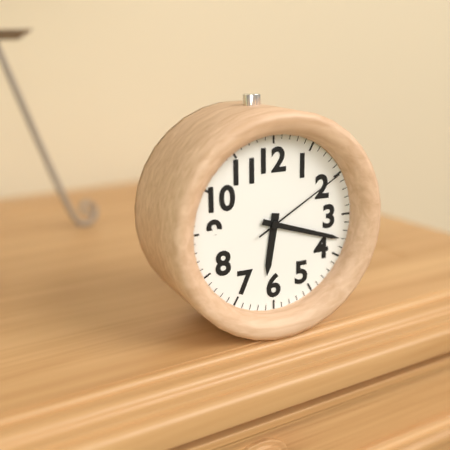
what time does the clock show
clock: 6:18:10
